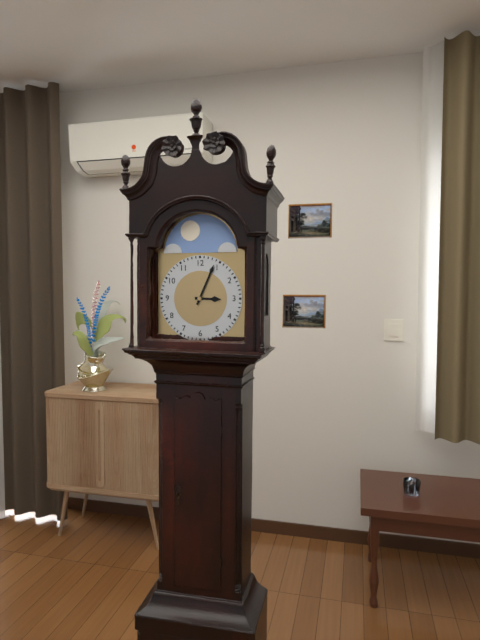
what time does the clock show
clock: 3:04
